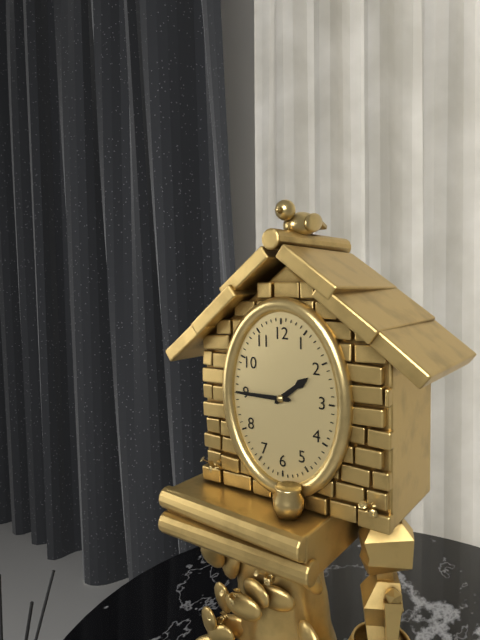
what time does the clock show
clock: 1:45
